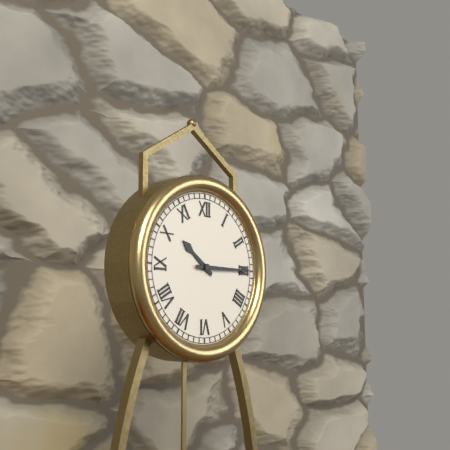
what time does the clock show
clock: 10:15
